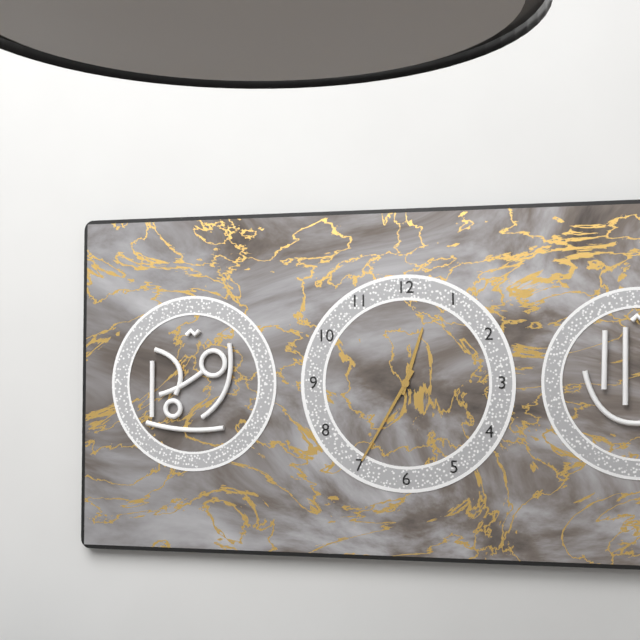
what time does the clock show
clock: 12:35
